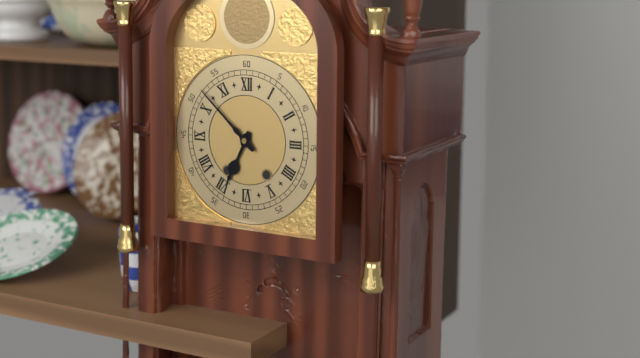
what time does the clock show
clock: 6:52
